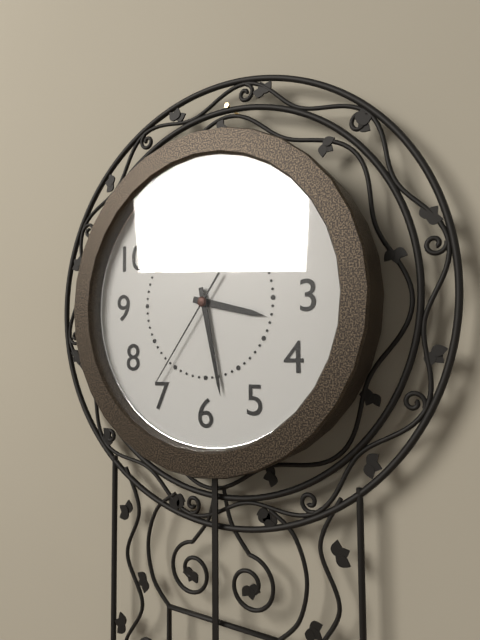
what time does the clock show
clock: 3:28:36
